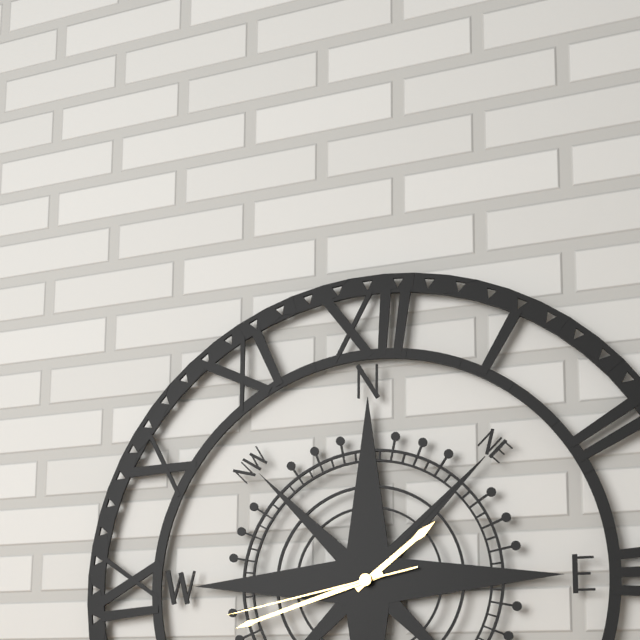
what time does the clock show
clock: 1:42:43
